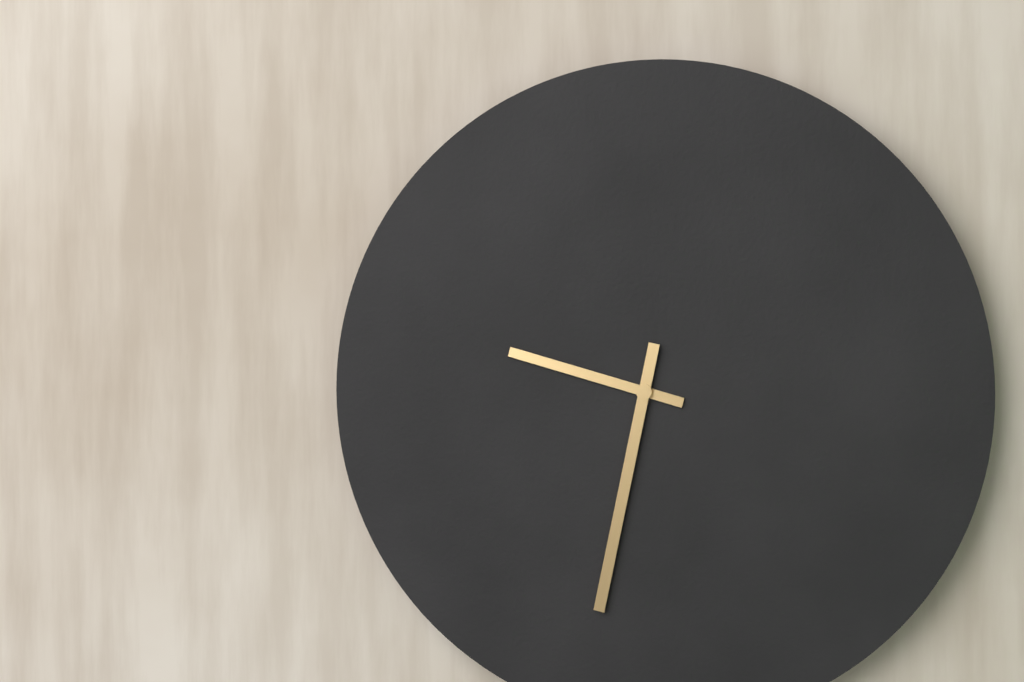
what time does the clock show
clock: 9:32
